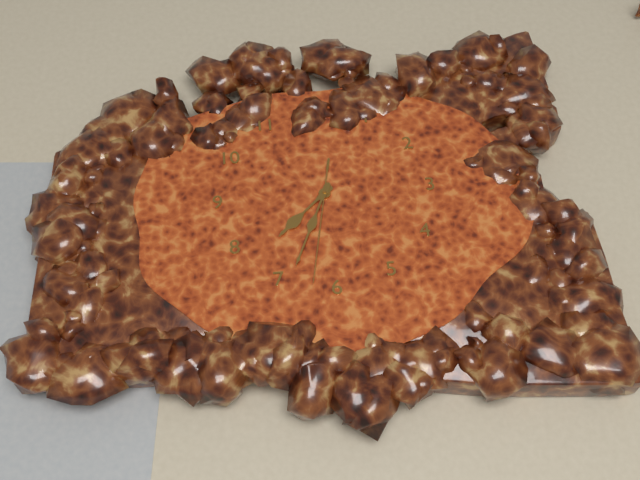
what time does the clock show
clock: 7:34:32
